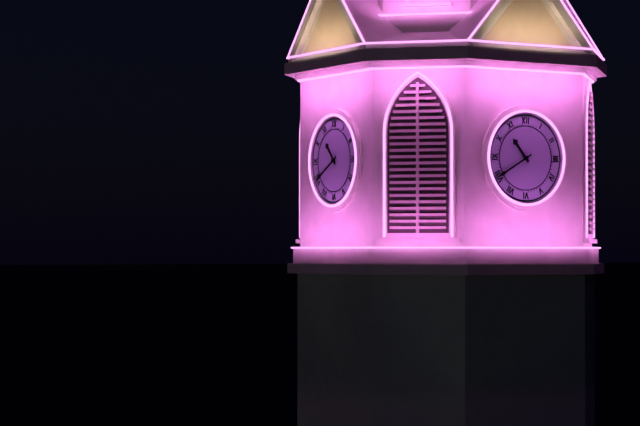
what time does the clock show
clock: 10:40
